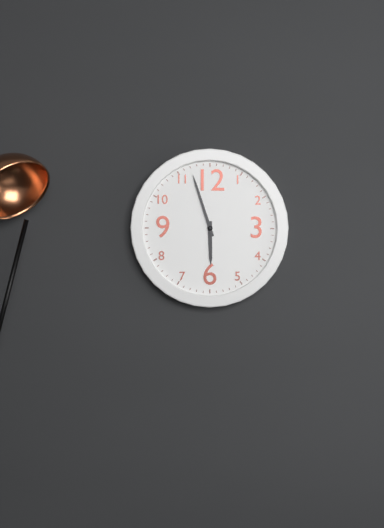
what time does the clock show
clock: 5:57
